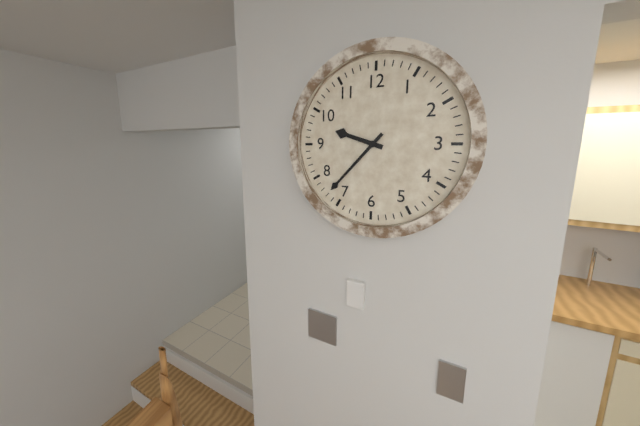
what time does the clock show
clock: 9:37
